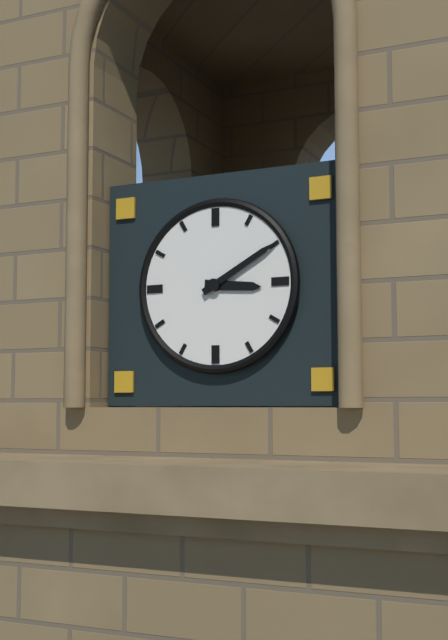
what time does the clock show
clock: 3:10
